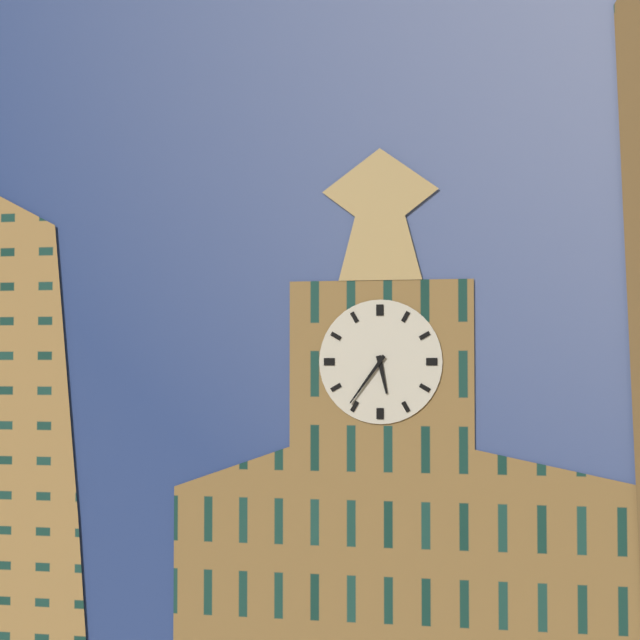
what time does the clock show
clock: 5:36
